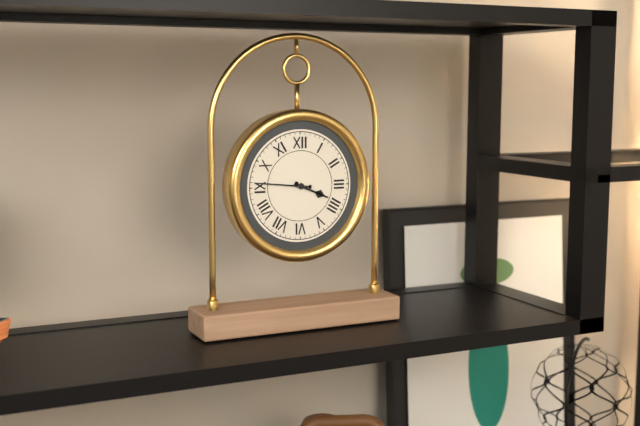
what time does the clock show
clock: 3:46
